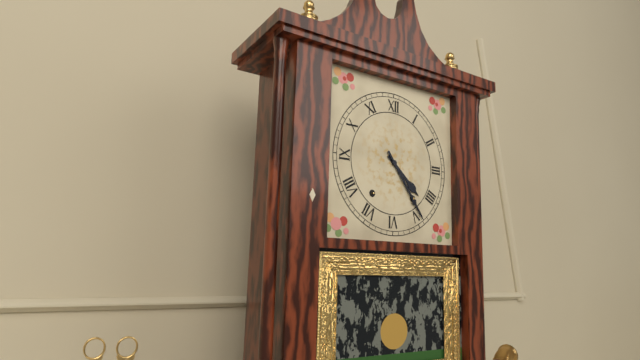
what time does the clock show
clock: 4:24
